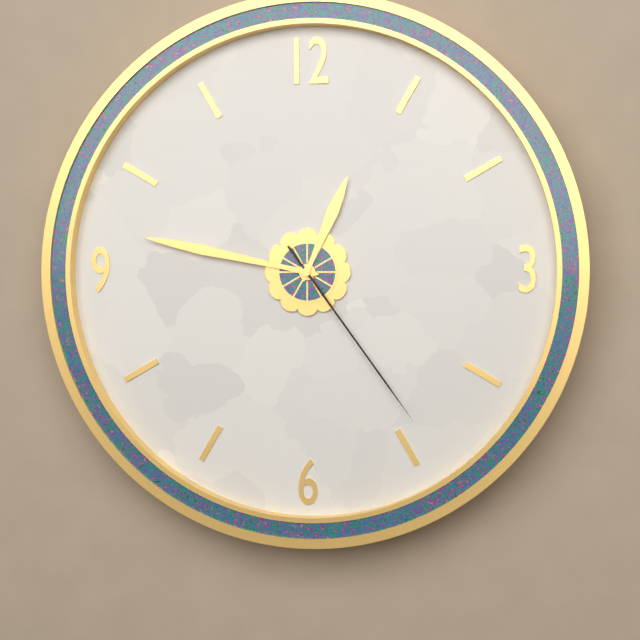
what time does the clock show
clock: 12:47:24
